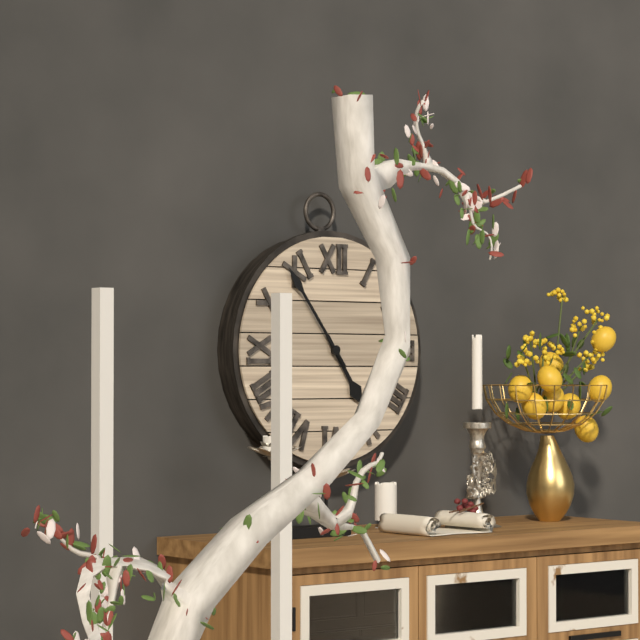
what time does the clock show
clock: 4:54
